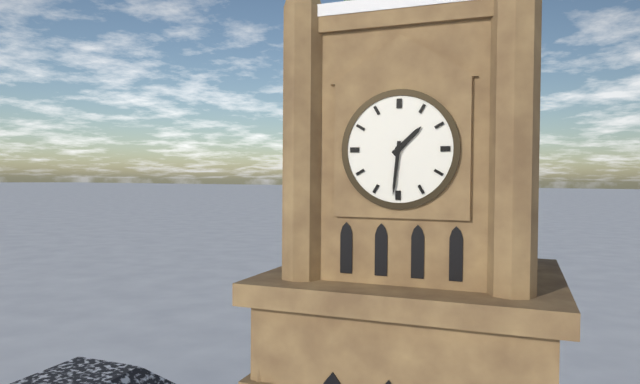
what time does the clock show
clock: 1:31
